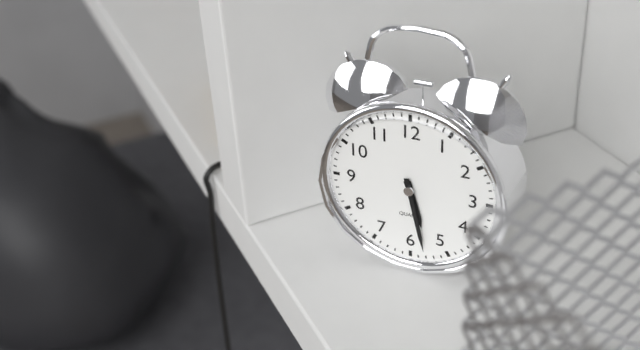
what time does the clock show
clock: 5:28
